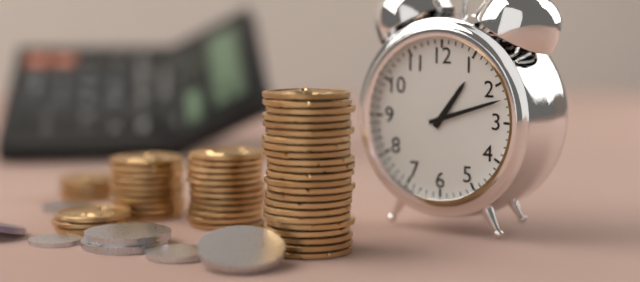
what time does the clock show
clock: 1:12
